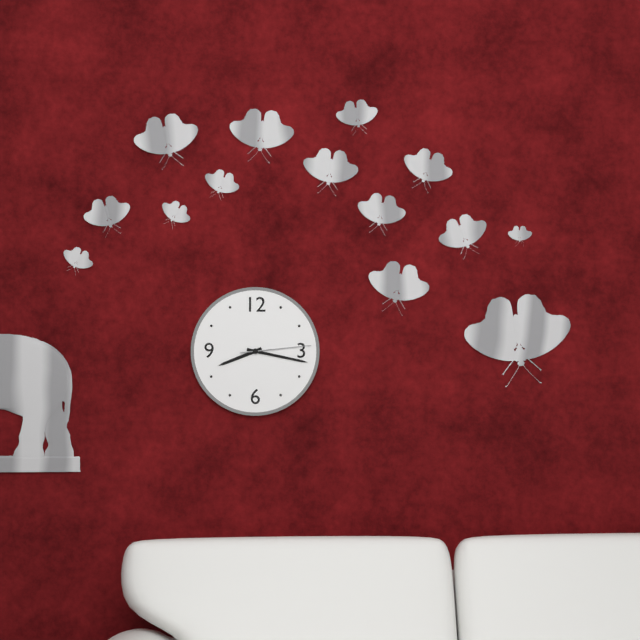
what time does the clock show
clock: 8:17:14
